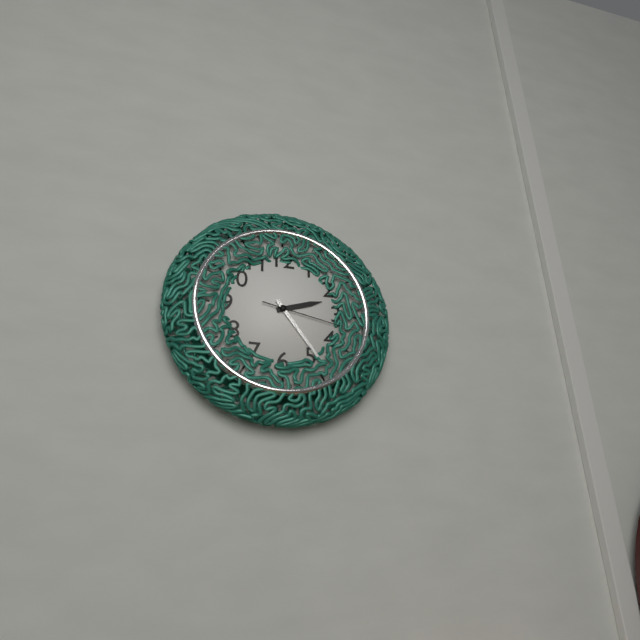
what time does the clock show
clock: 2:24:17
